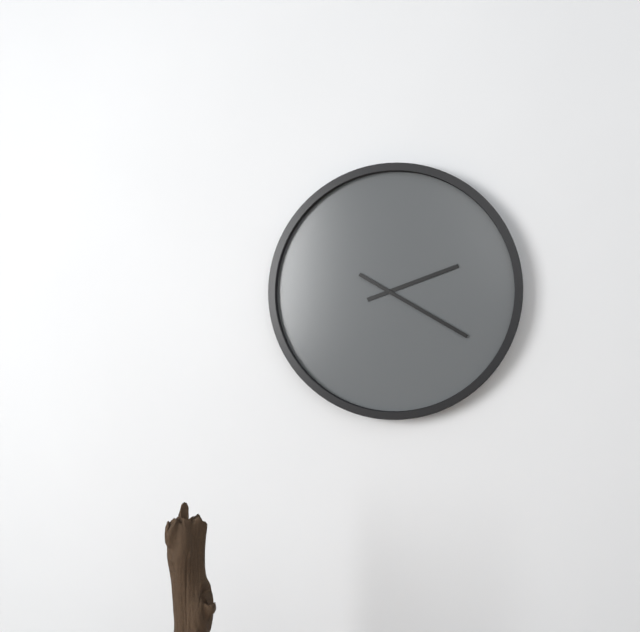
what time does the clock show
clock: 2:20
